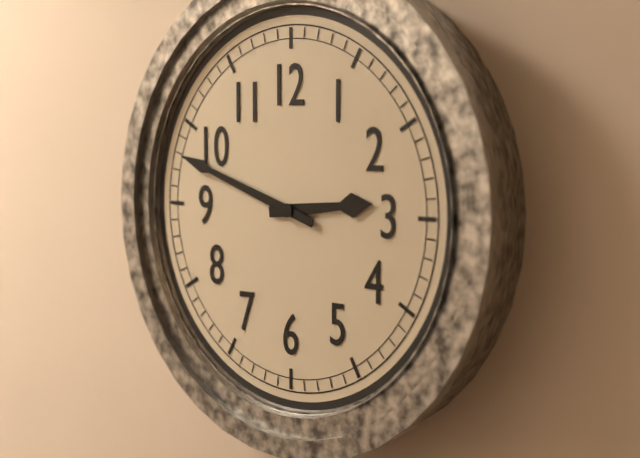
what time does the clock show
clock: 2:48
